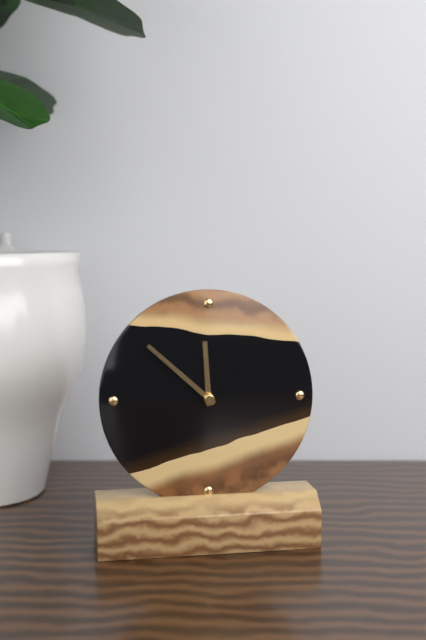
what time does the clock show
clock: 11:52
